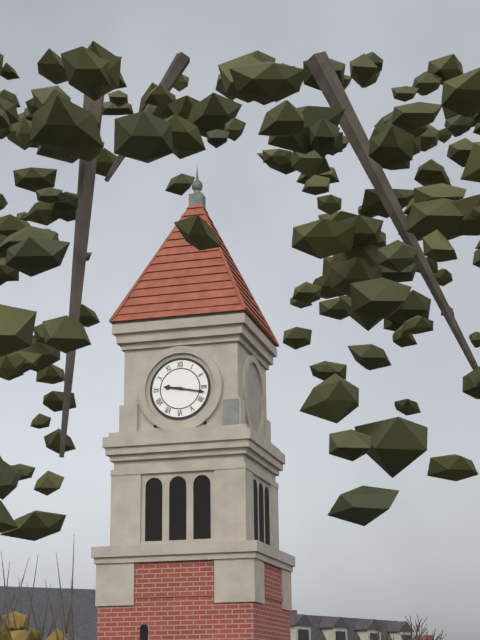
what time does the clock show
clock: 9:17
